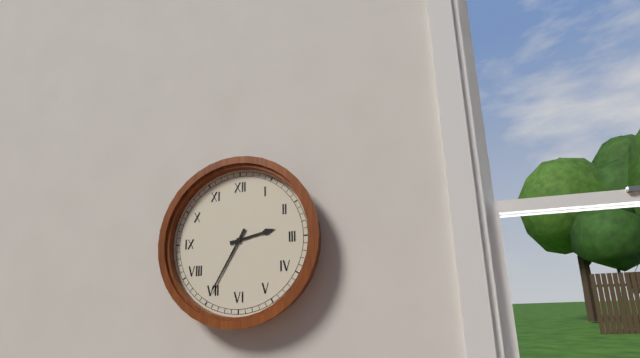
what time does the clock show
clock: 2:35
